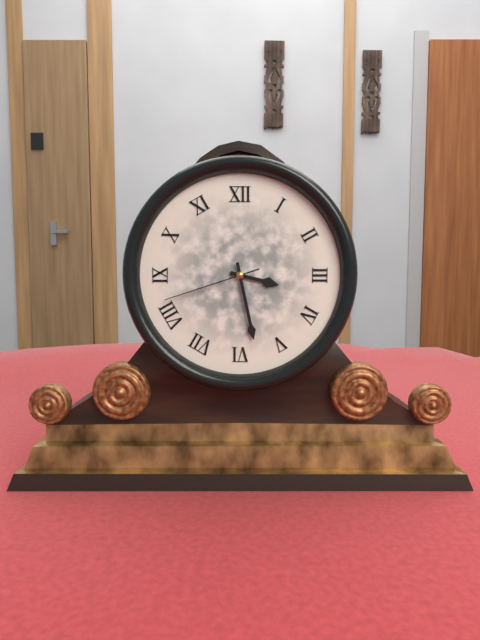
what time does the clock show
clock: 3:28:42
